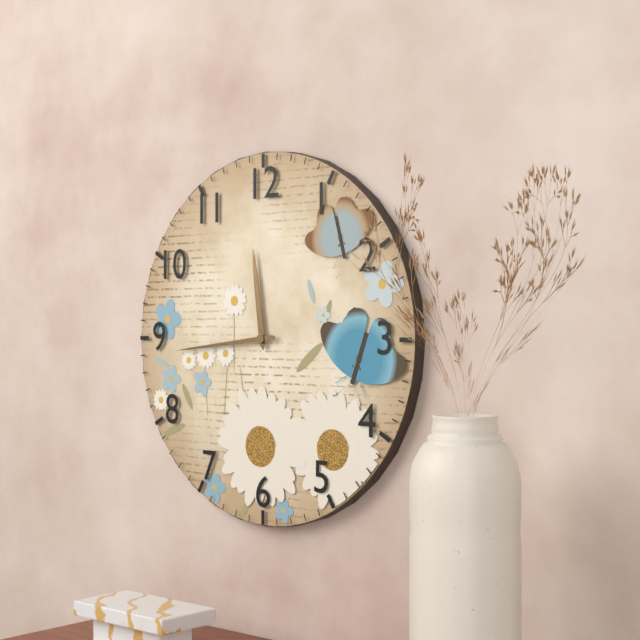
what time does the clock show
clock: 11:44
